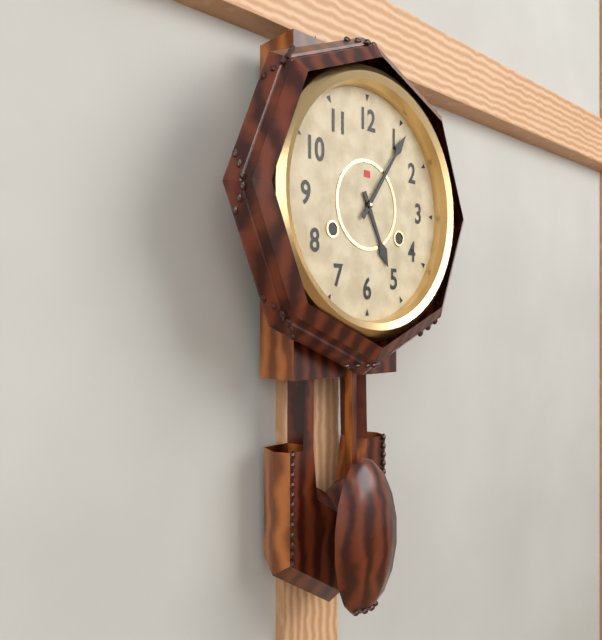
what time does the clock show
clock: 5:06
